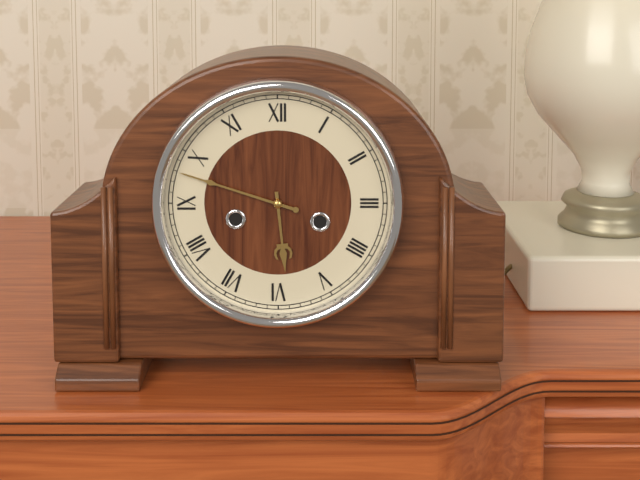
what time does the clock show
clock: 5:48
